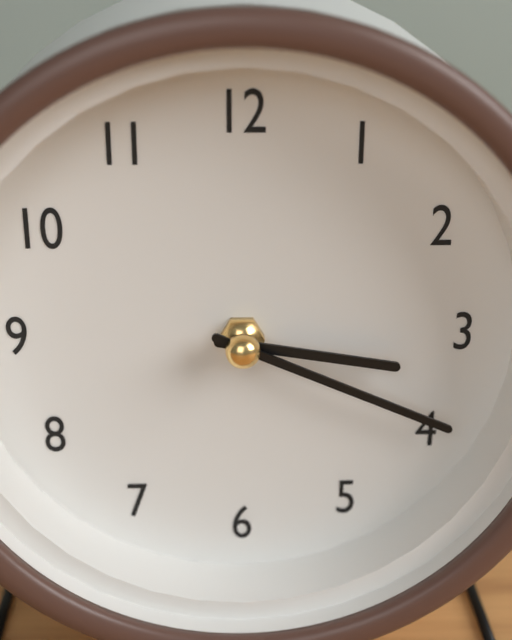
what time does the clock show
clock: 3:19
